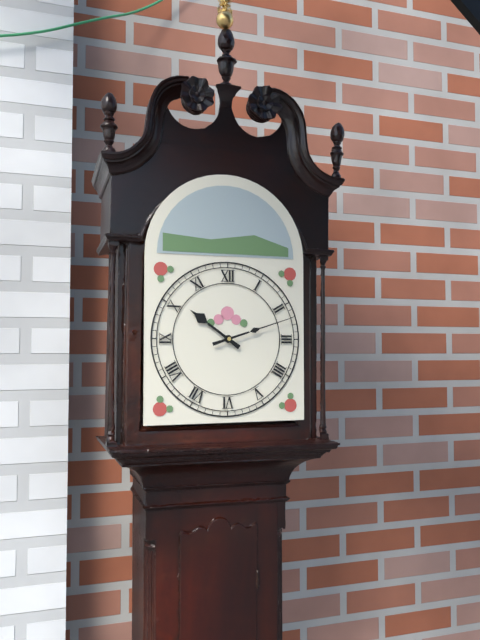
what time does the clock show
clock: 10:12
